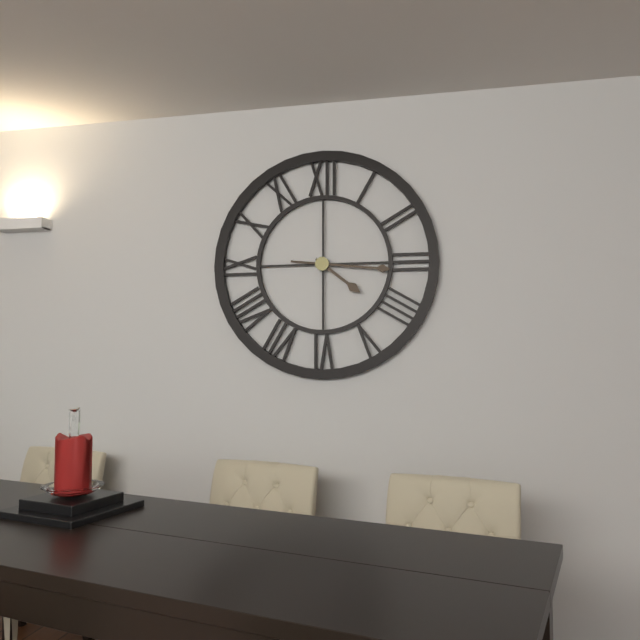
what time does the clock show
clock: 4:16
